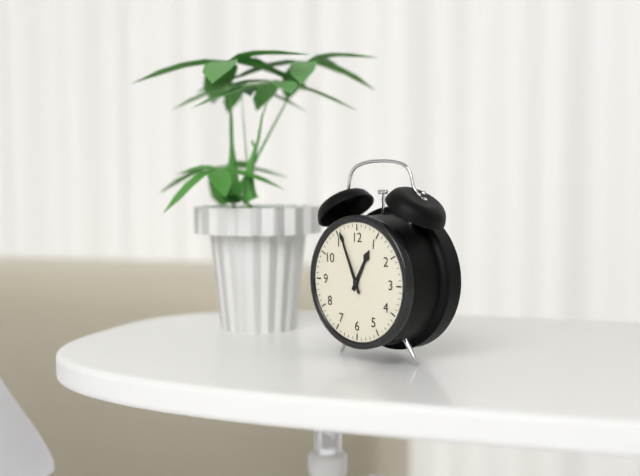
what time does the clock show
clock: 12:56
